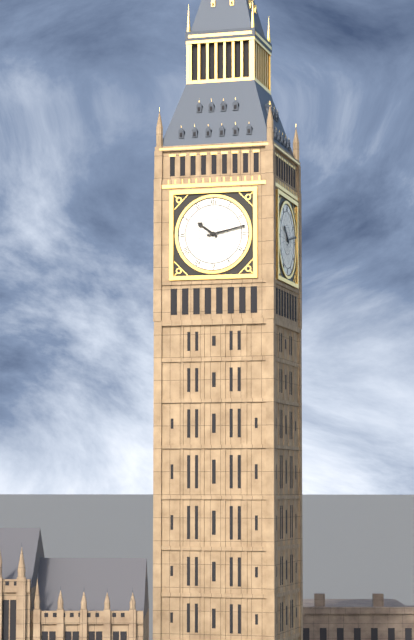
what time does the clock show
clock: 10:13
